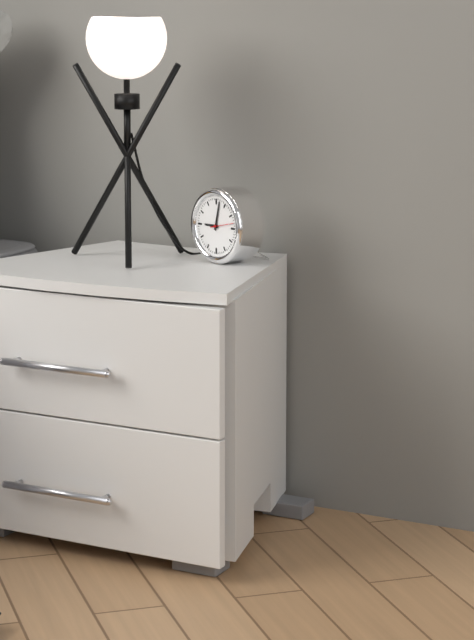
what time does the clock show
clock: 9:02
